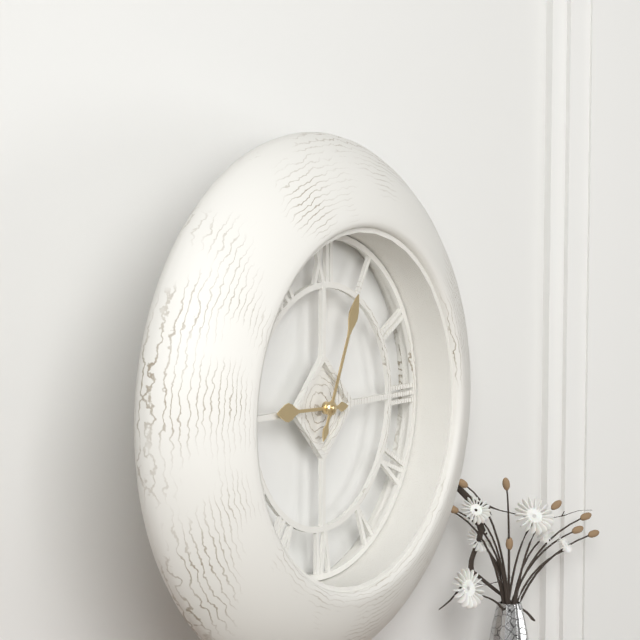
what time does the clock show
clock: 9:04
